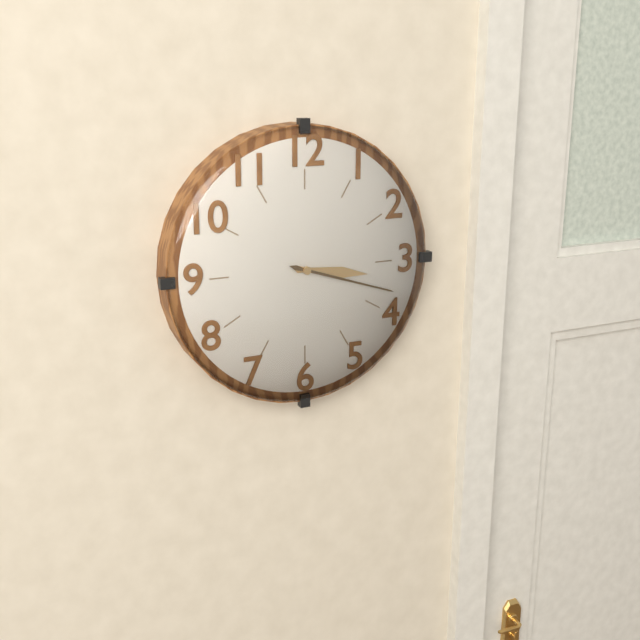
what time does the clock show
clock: 3:18
